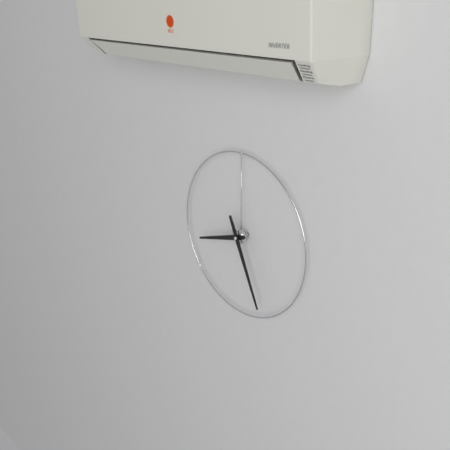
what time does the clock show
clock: 8:26
